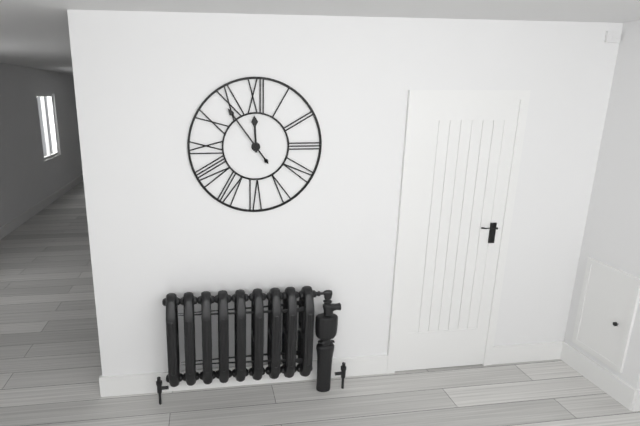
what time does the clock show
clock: 11:54
